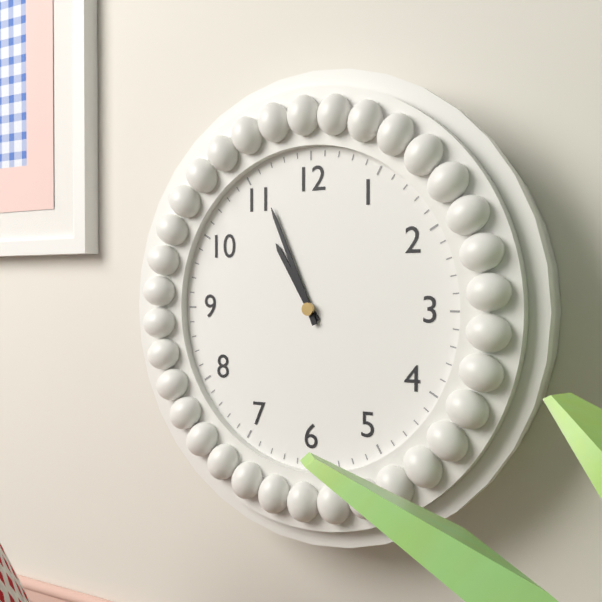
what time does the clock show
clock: 10:56
